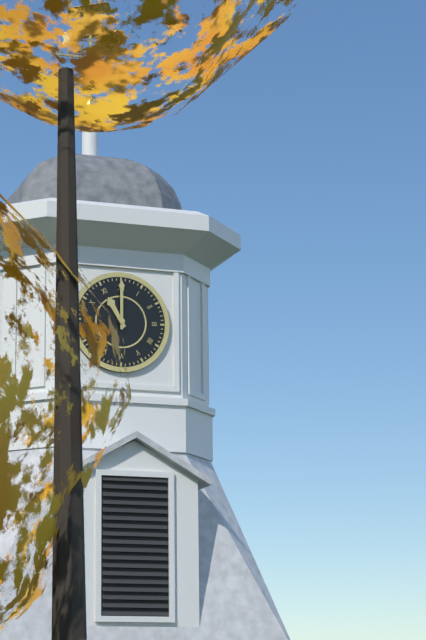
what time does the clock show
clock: 11:00
